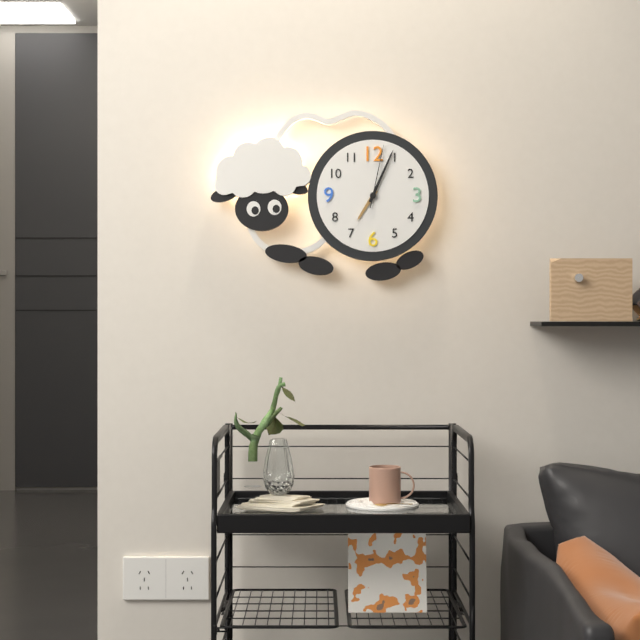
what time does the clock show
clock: 7:04:02
